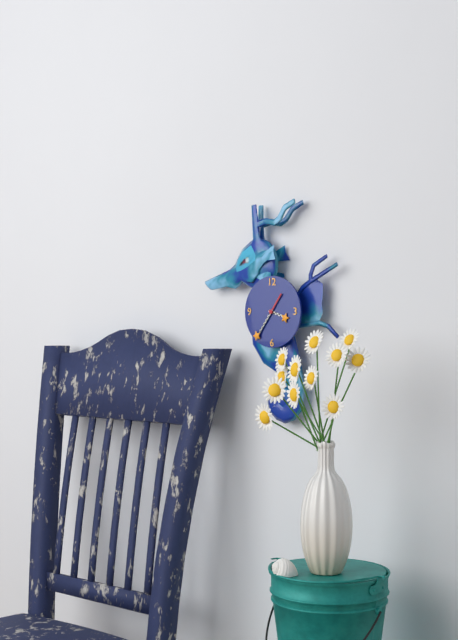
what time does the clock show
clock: 3:36
